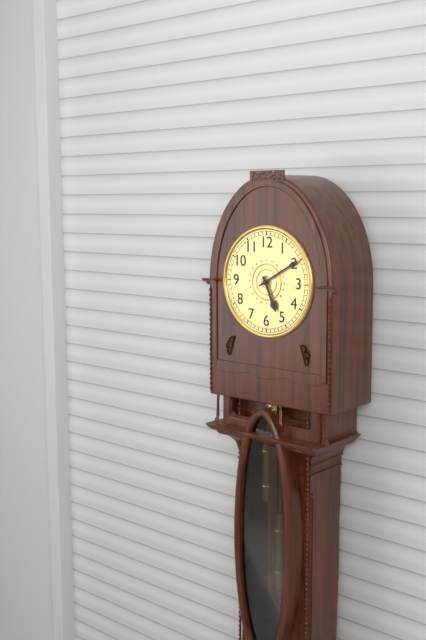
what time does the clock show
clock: 5:10
